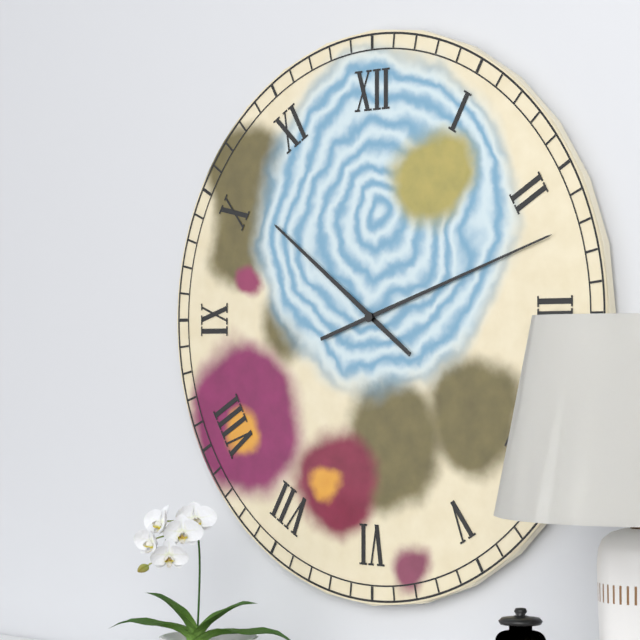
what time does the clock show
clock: 10:12
